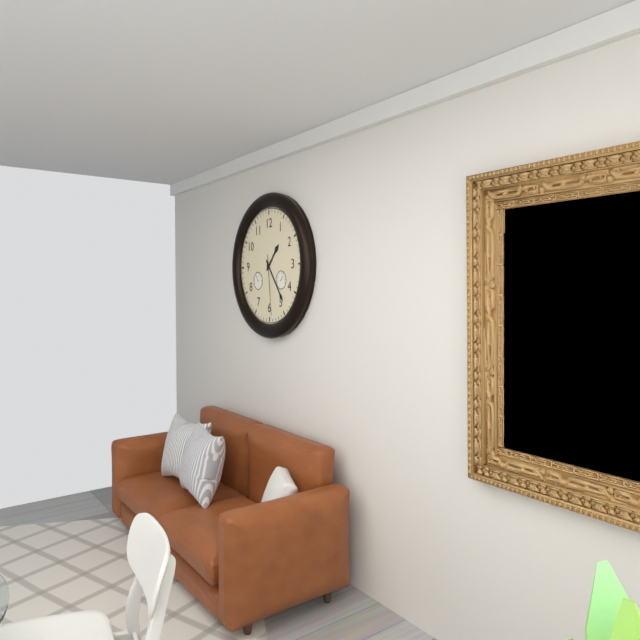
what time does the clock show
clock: 1:24:29
